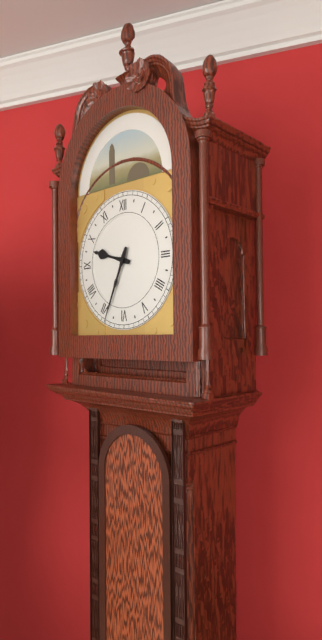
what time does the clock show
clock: 9:34
